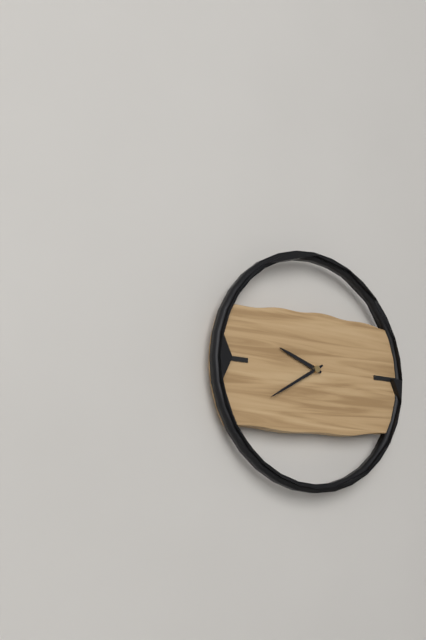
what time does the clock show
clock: 9:40
